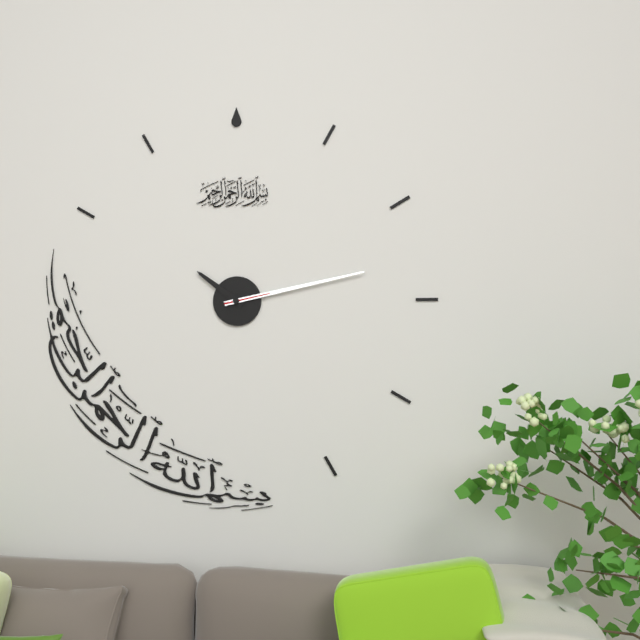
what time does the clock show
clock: 10:13
